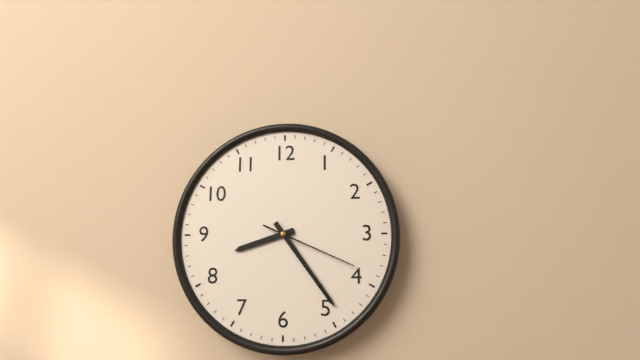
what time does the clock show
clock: 8:24:19
